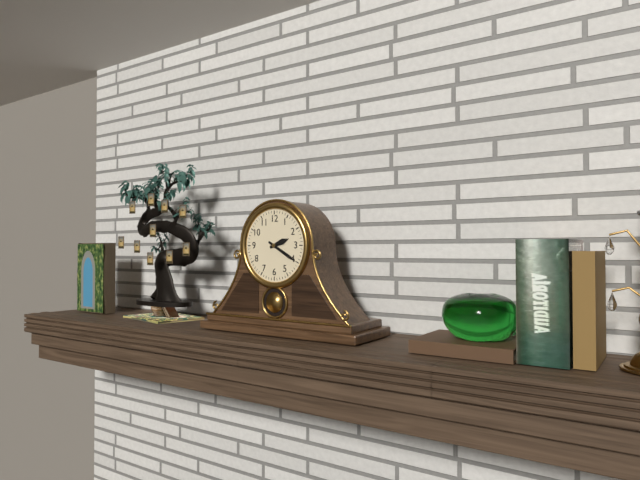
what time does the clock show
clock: 2:20
